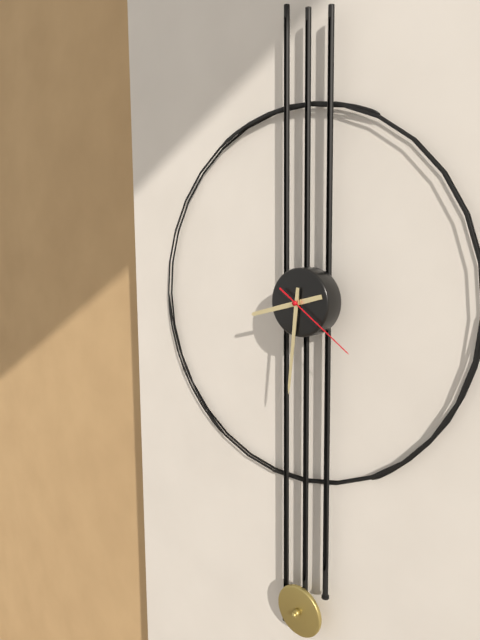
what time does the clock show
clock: 8:31:21
